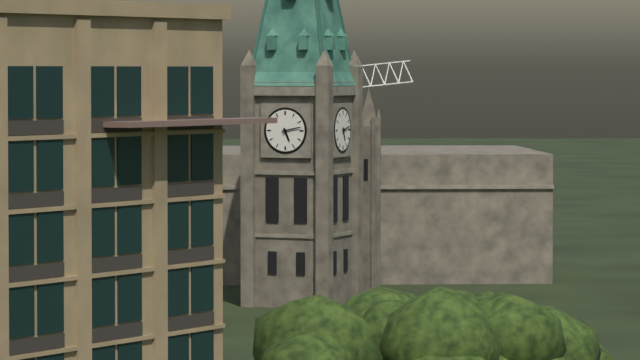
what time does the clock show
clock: 5:13
